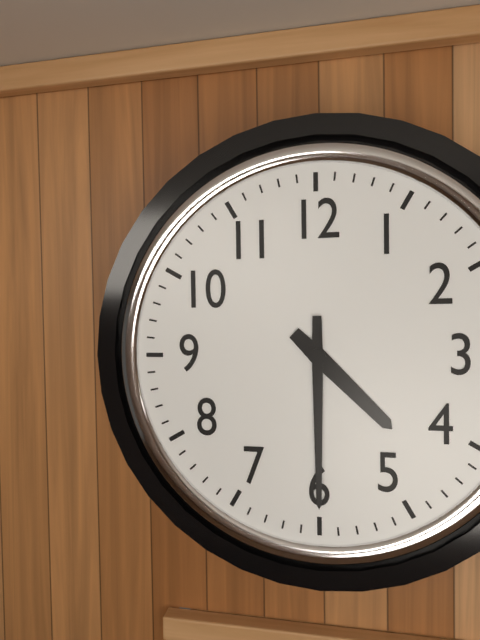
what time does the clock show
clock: 4:30
